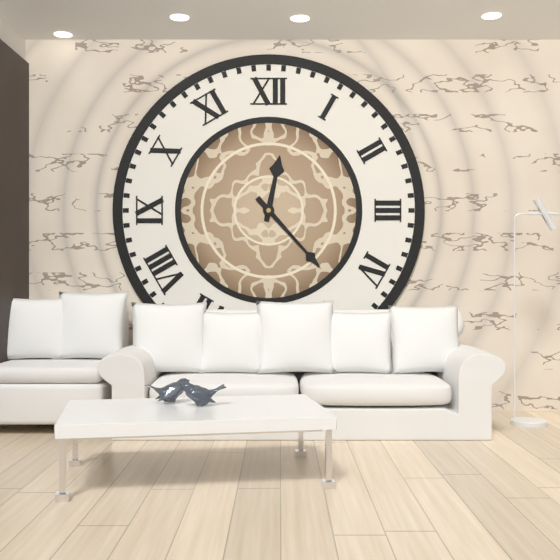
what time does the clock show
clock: 12:23
